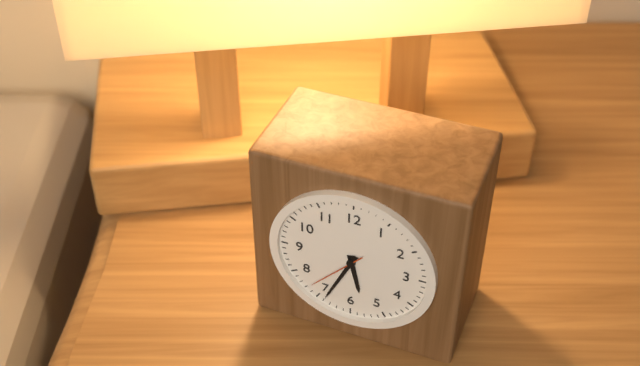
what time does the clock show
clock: 5:34:37
